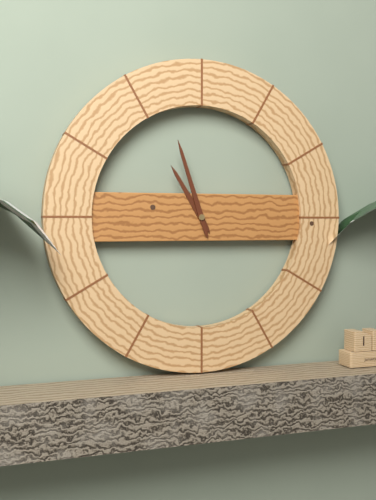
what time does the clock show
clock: 10:57
